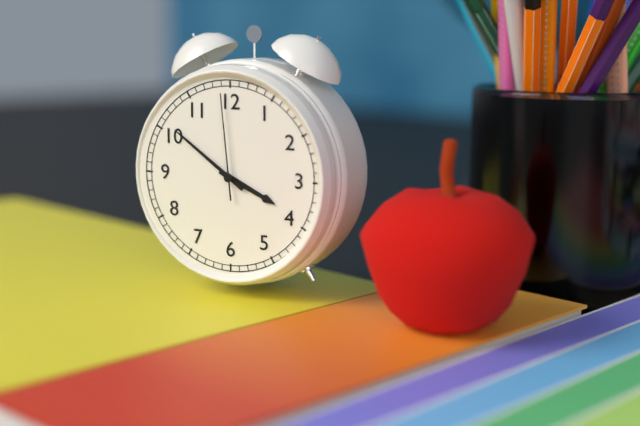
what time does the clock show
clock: 3:51:59
